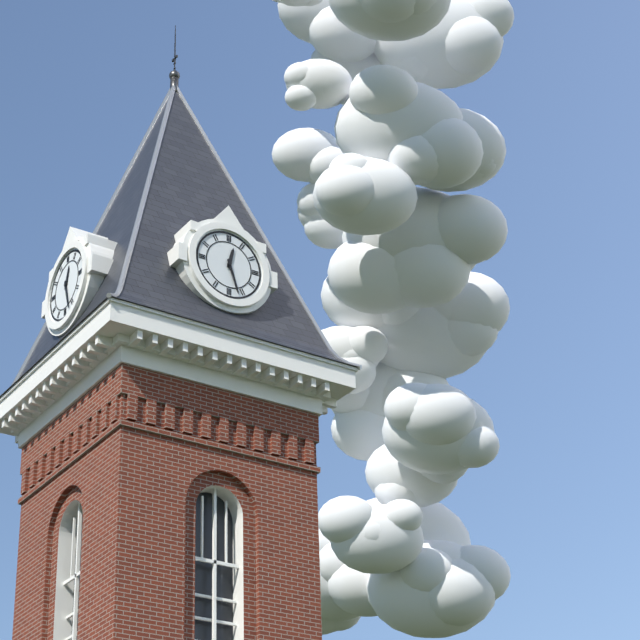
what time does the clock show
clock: 12:27
